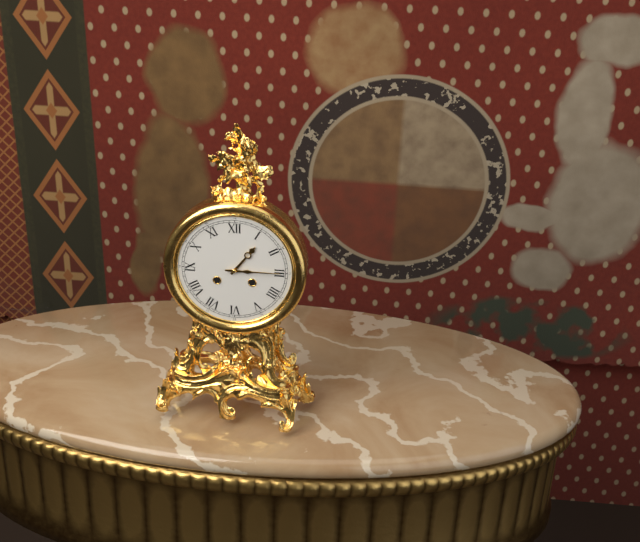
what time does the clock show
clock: 1:15
